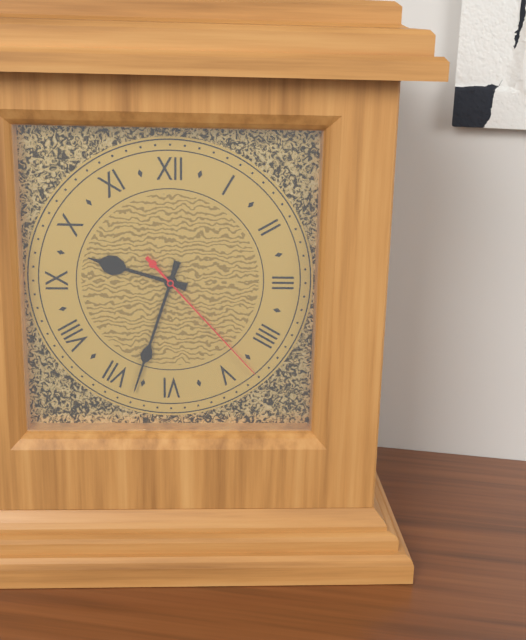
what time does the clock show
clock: 9:33:23
